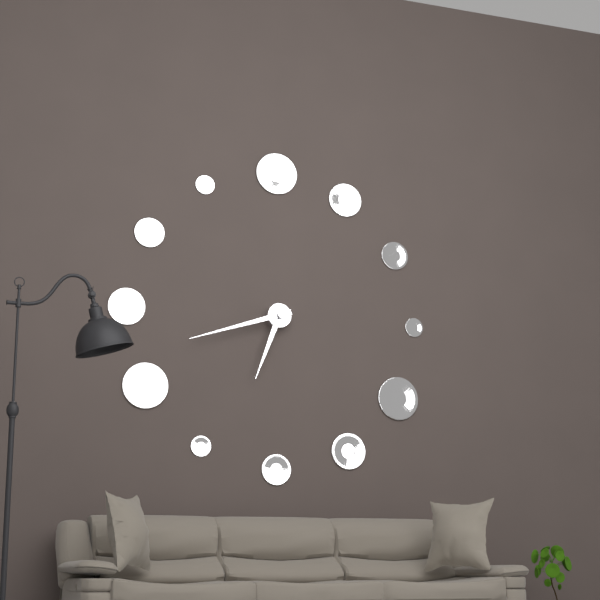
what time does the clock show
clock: 6:42
